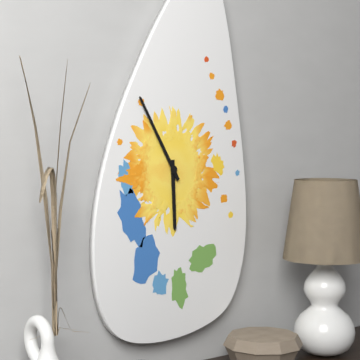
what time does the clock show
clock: 5:55
